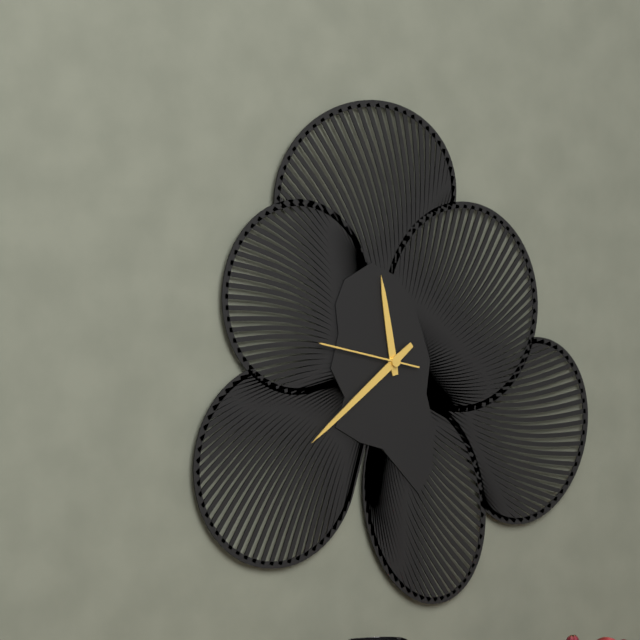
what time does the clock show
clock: 11:39:47
